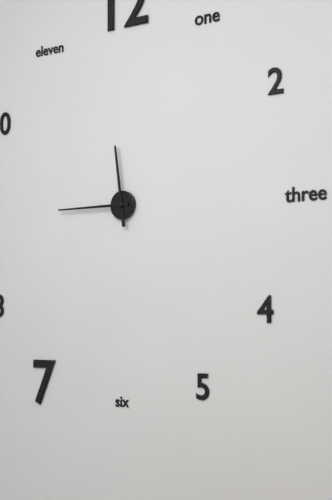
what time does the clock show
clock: 11:45
